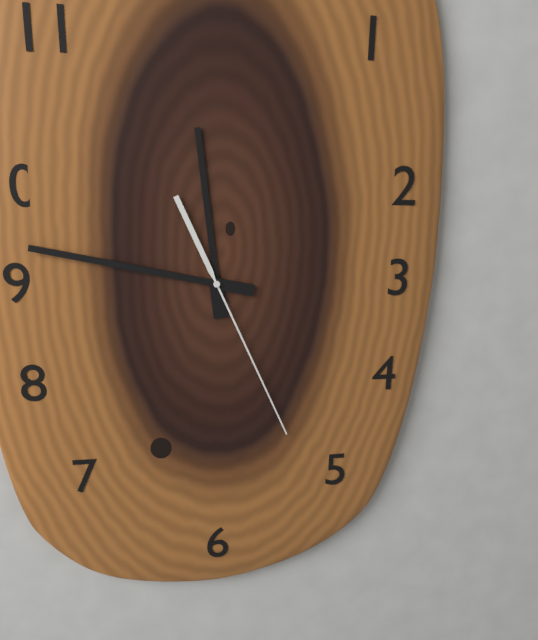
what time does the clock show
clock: 11:47:26
